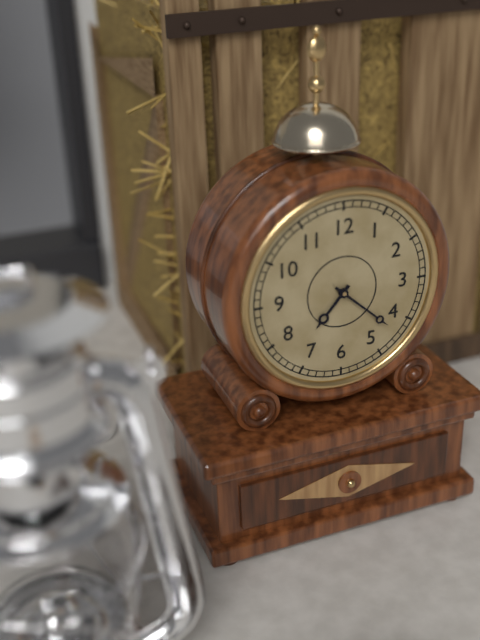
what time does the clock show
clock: 7:22
